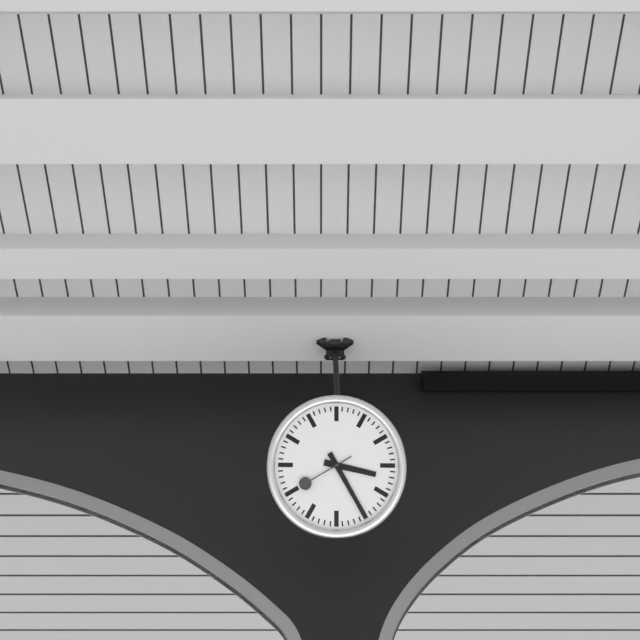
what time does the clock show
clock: 3:25:40
